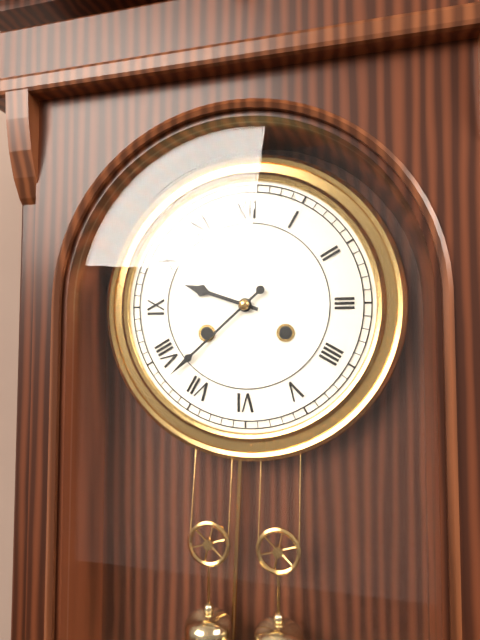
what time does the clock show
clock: 9:38
